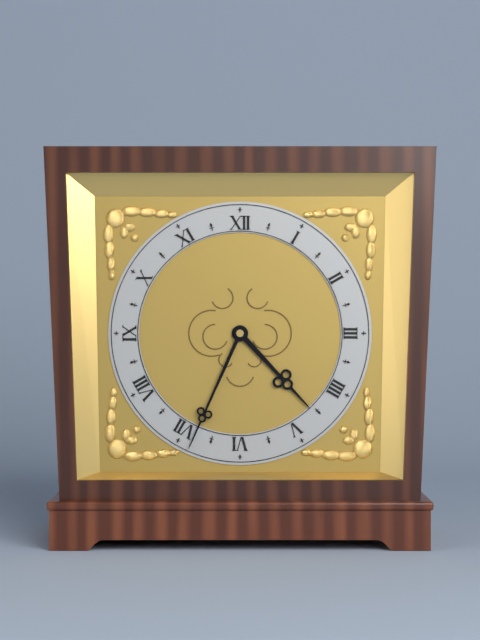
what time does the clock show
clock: 4:34
